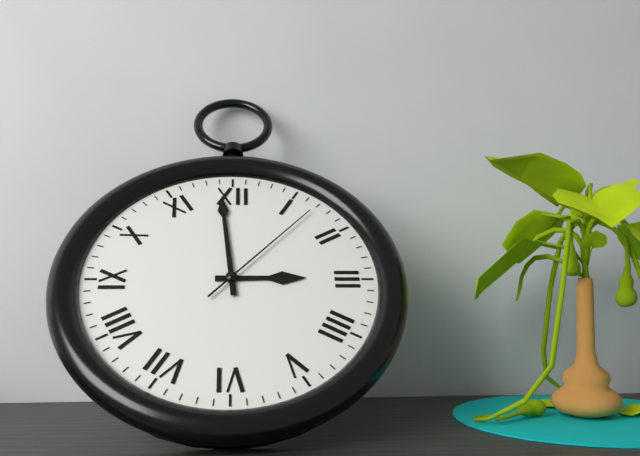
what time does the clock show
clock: 2:59:07
